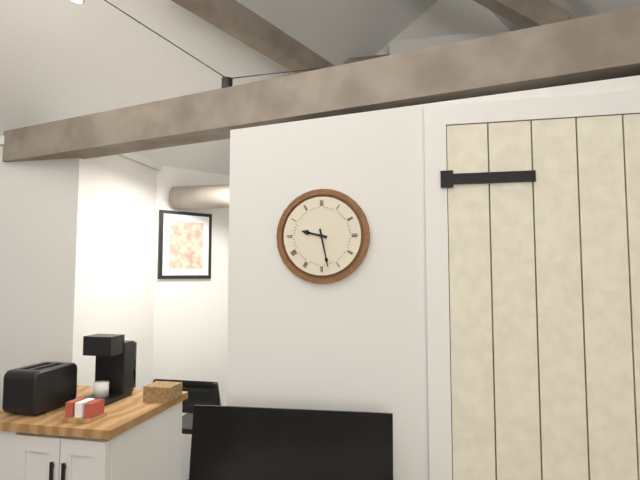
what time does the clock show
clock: 9:28
